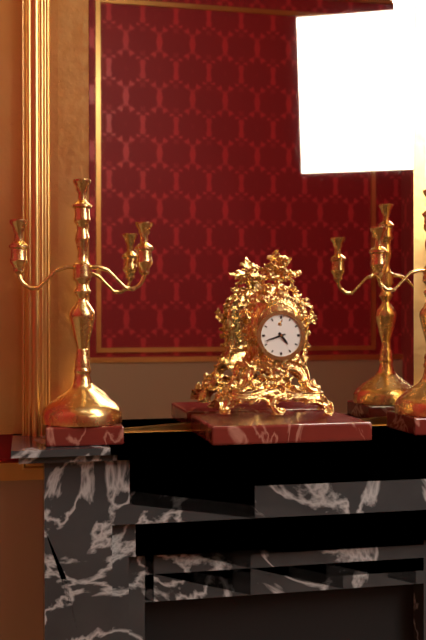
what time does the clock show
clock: 4:42
